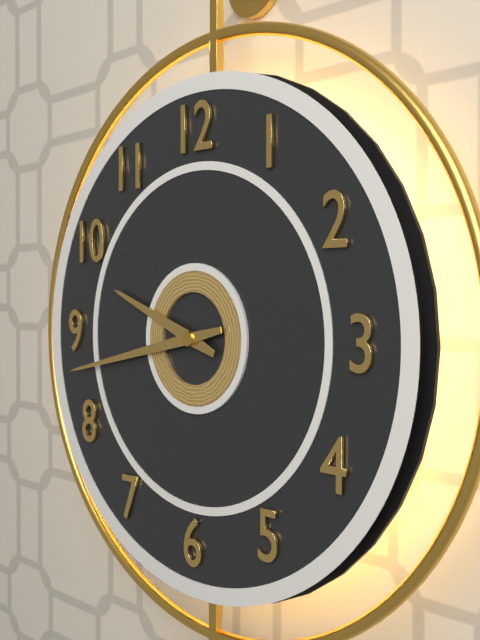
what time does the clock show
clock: 9:43
